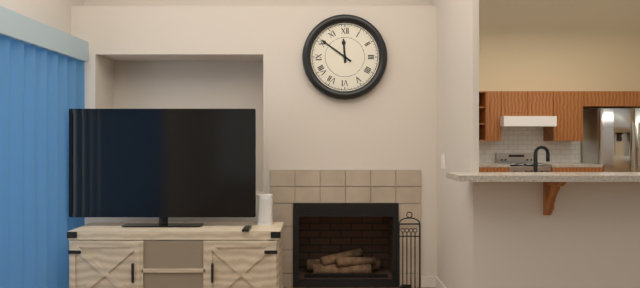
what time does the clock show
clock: 11:51
